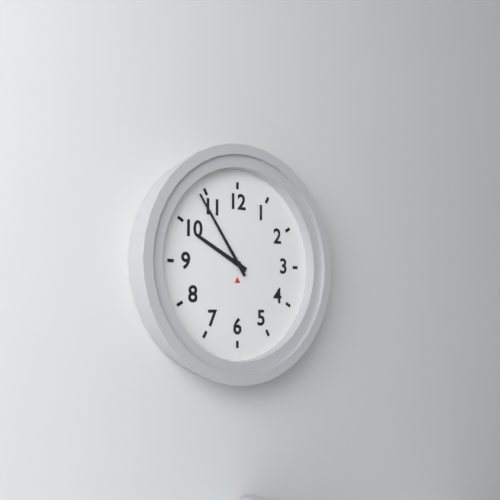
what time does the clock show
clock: 9:54
